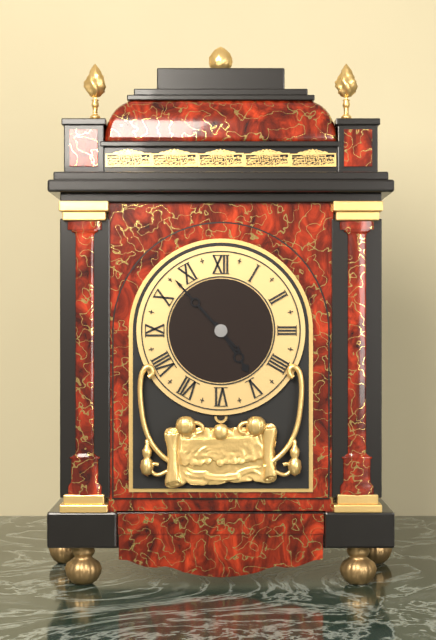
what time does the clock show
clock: 4:53
